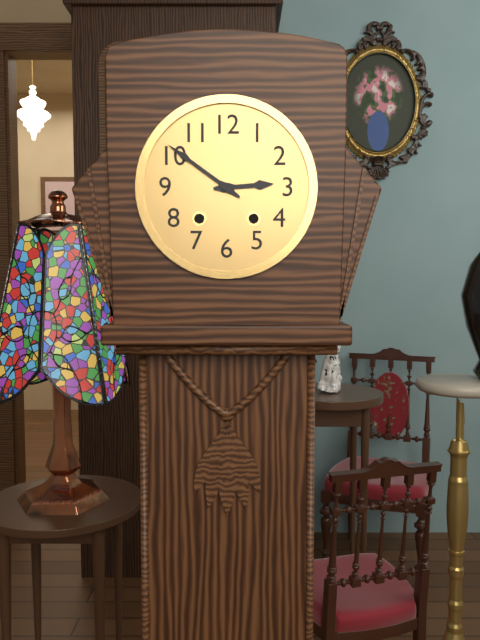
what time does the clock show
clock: 2:51
